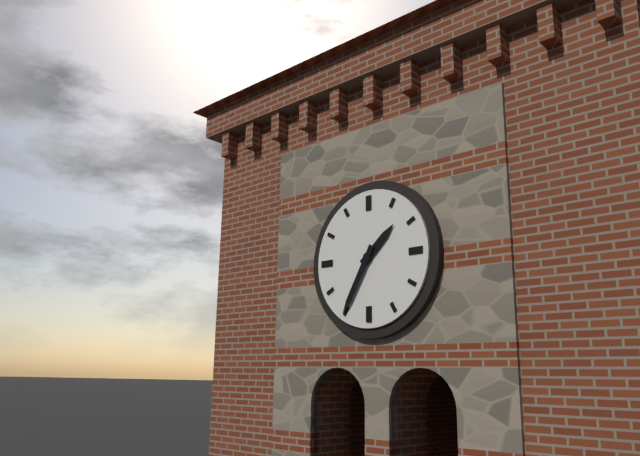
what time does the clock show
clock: 1:35
